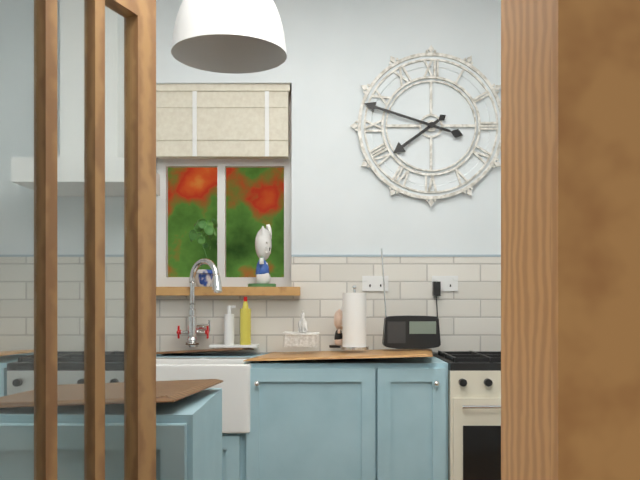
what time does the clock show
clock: 7:48
